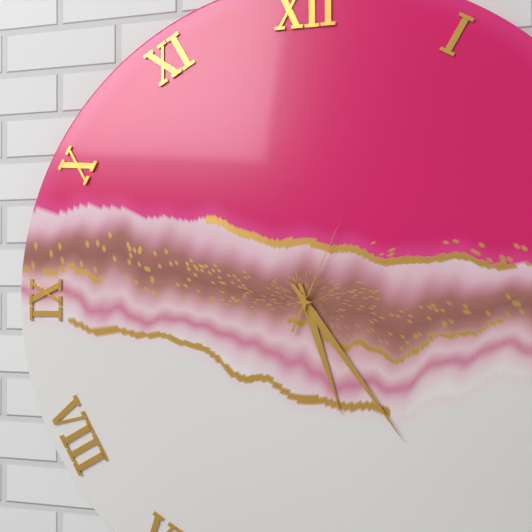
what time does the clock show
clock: 5:24:04
